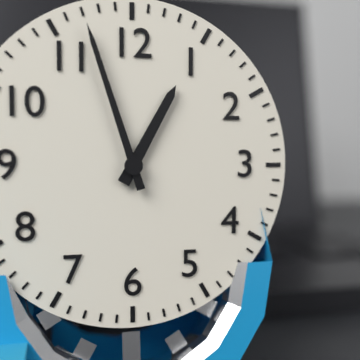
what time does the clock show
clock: 12:57
